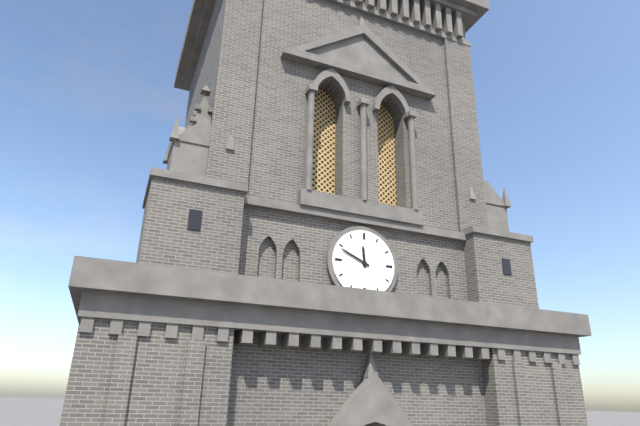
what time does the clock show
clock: 11:49
